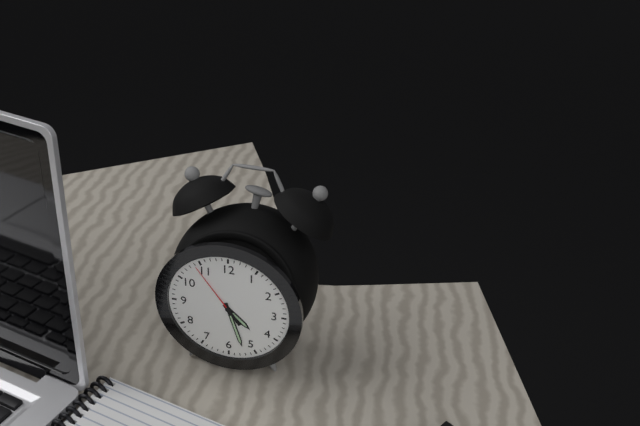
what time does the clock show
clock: 4:27:54
